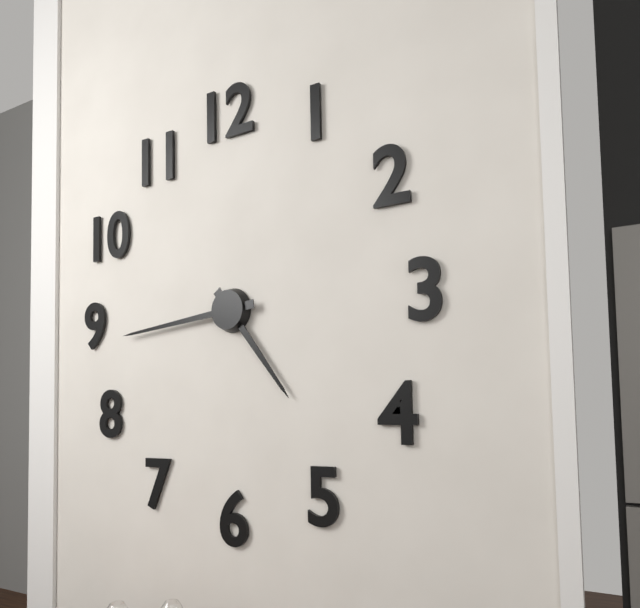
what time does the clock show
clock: 4:44
